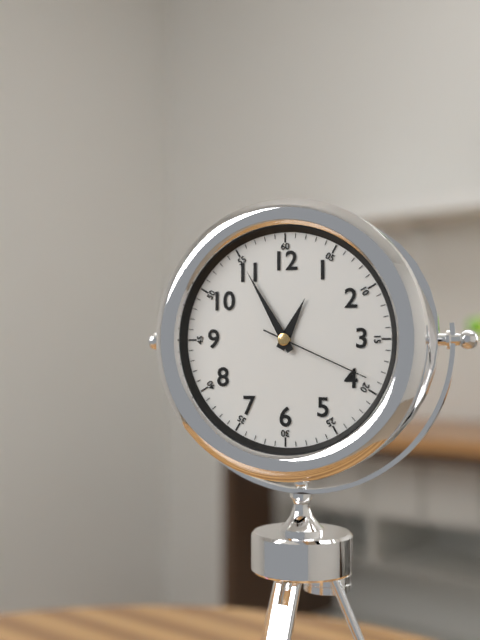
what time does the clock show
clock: 12:55:19
